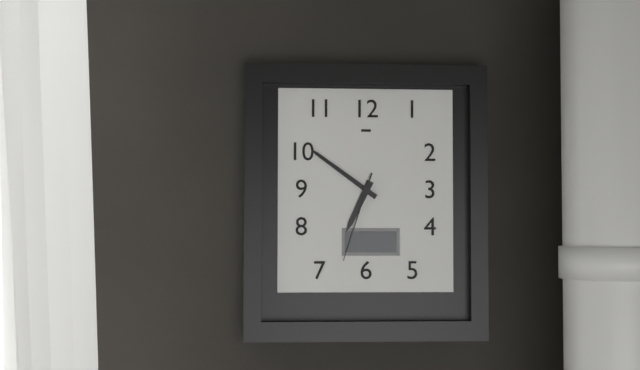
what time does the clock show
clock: 6:51:33
